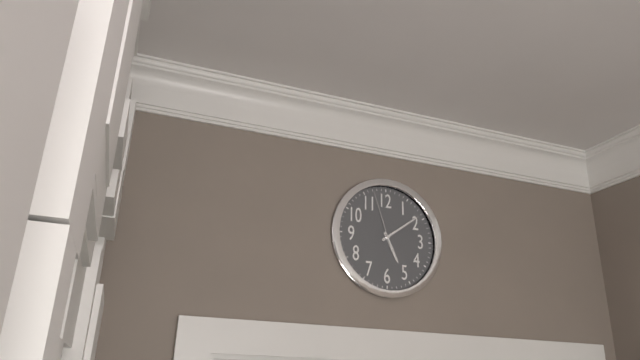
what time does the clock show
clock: 5:09:57
